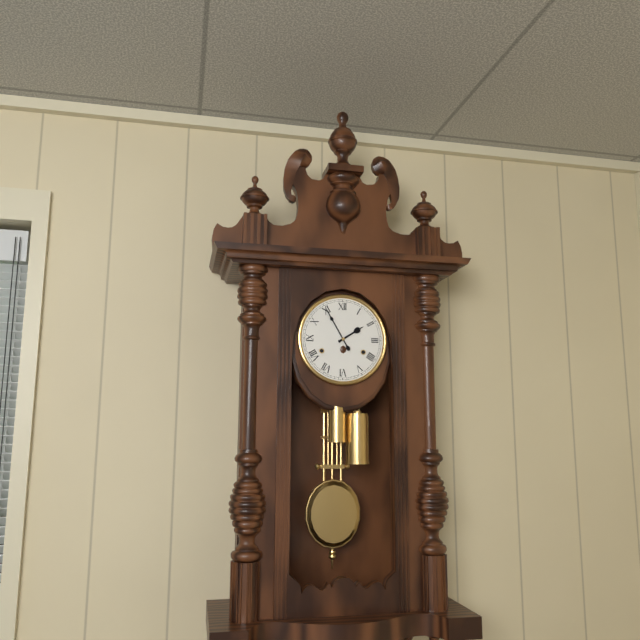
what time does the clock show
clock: 1:55
